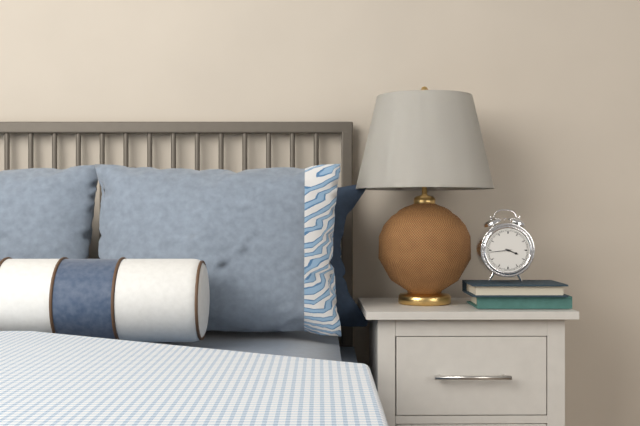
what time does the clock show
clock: 3:44
